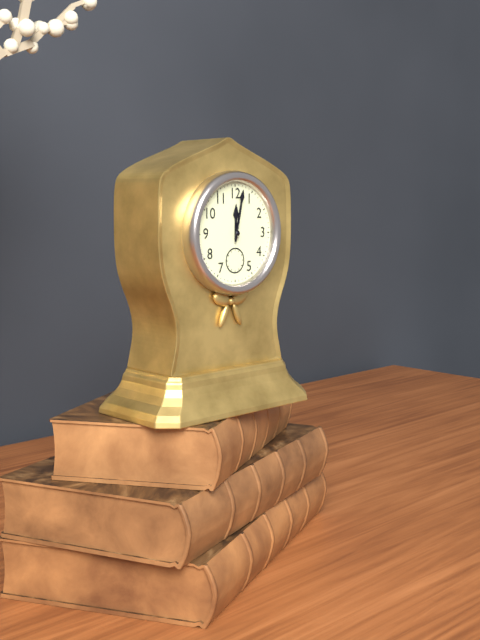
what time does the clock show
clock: 12:02
